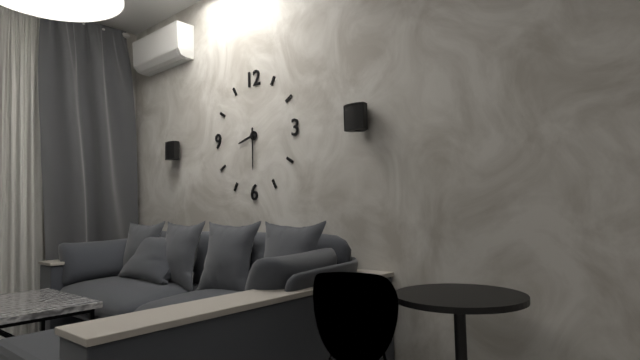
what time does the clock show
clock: 8:30
